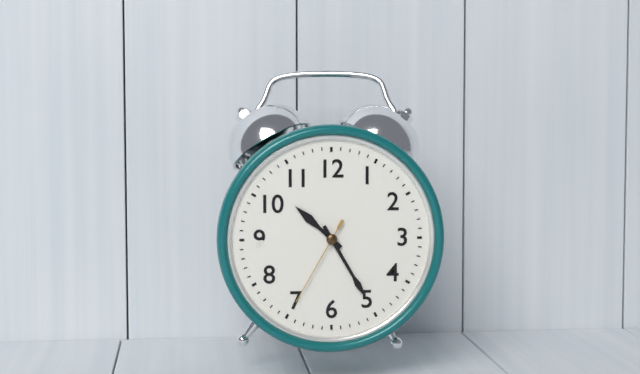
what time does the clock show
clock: 10:25:35
